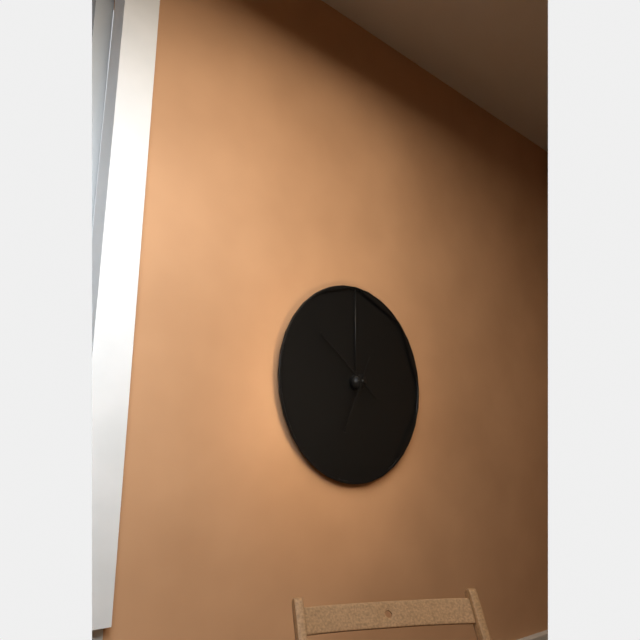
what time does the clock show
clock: 6:51
